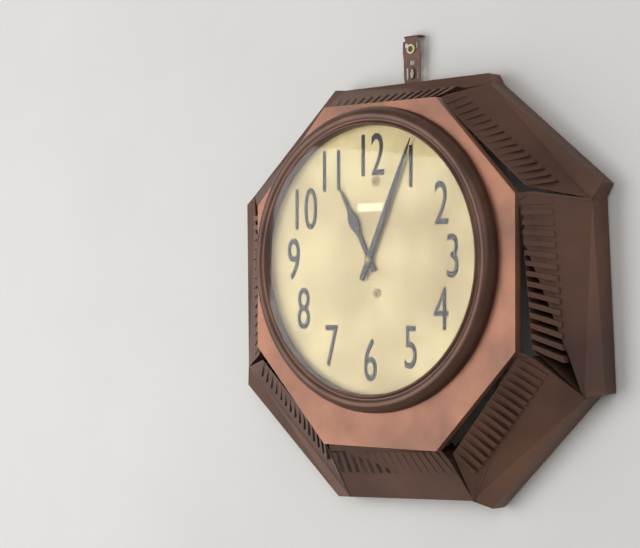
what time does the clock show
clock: 11:04
